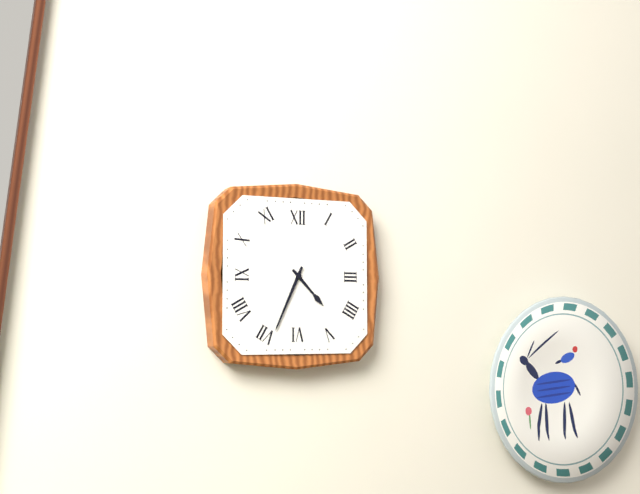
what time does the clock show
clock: 4:34
